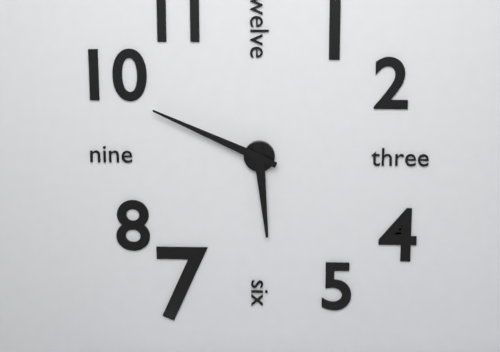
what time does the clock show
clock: 5:49
